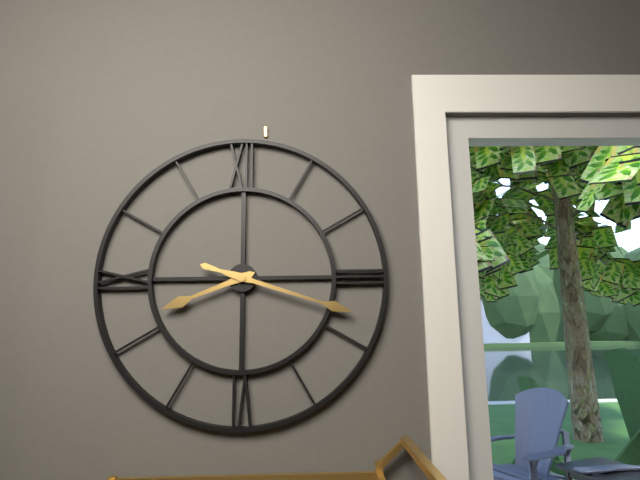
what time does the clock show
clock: 8:18
